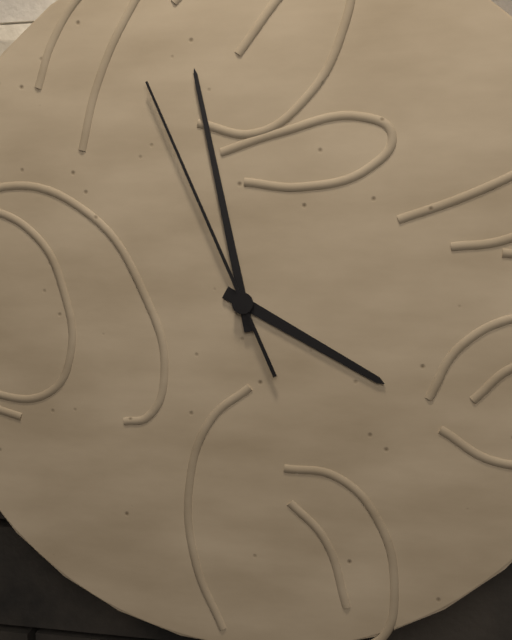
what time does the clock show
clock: 3:58:56
